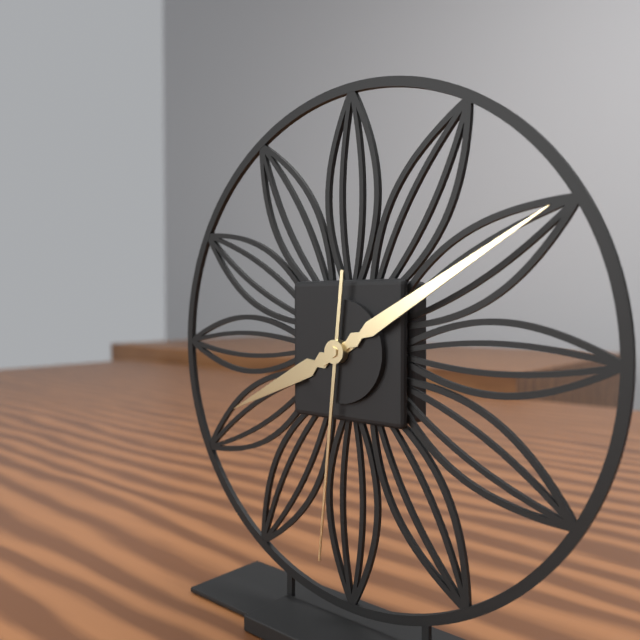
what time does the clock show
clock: 8:10:31
